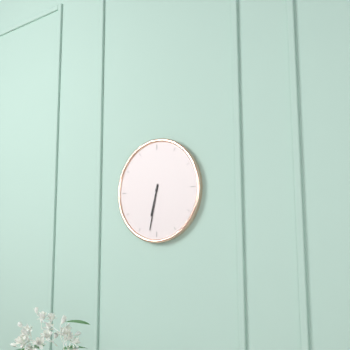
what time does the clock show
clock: 6:32
